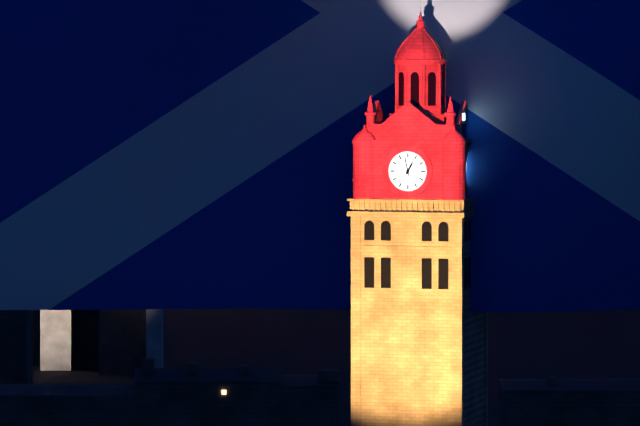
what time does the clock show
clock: 12:58
